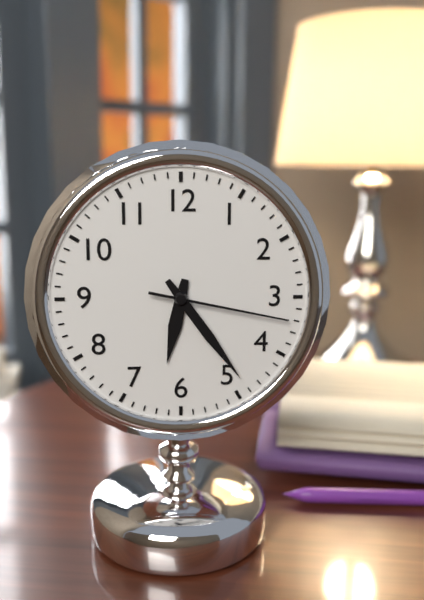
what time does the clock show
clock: 6:24:17
